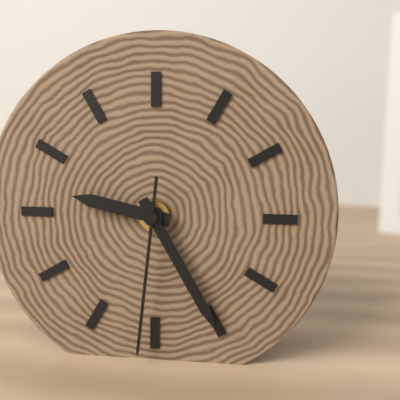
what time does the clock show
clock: 9:25:31
